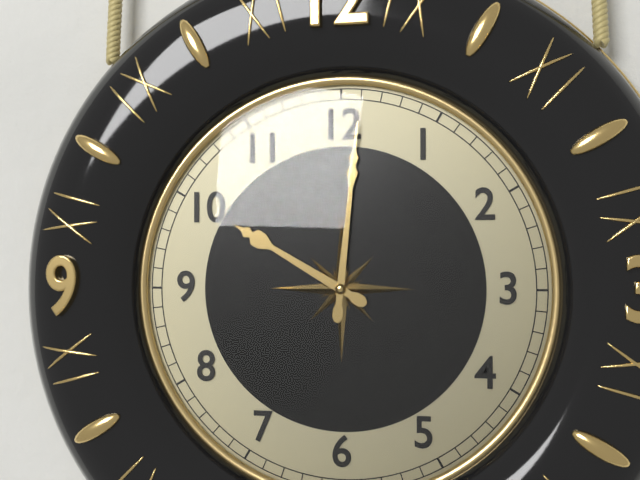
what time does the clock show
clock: 10:01
